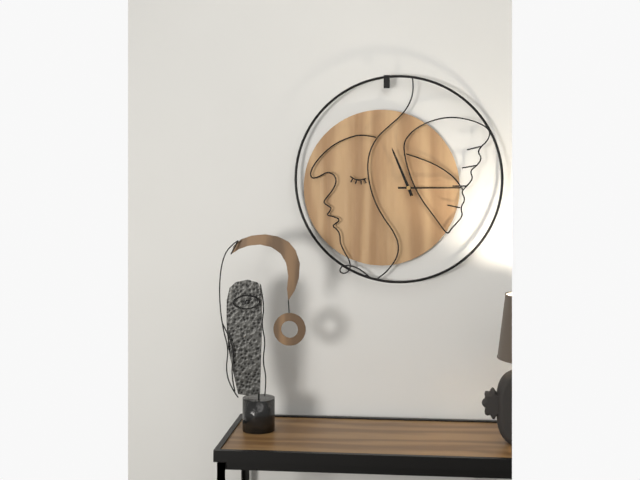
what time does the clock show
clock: 11:15
